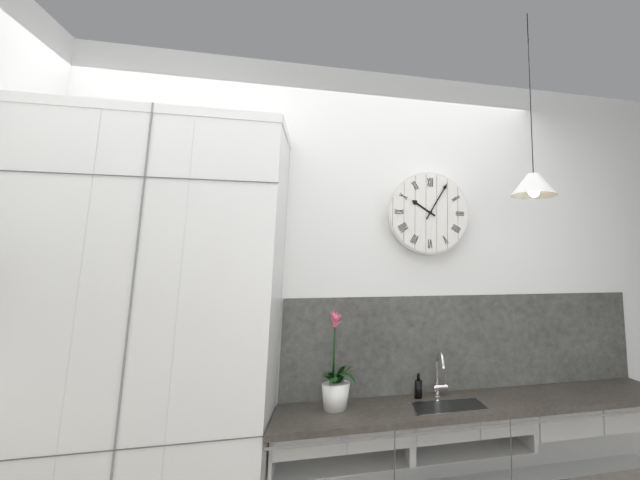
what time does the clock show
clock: 10:05
